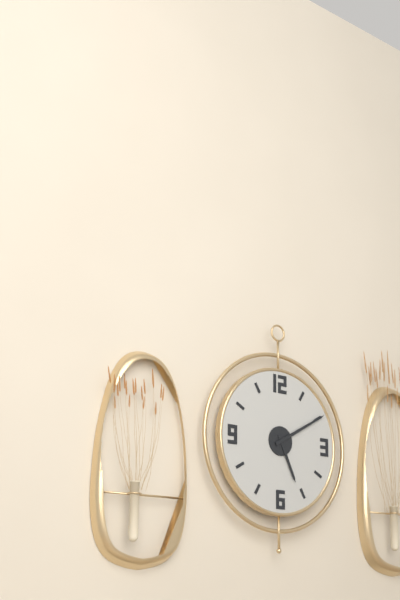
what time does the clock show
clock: 5:10
